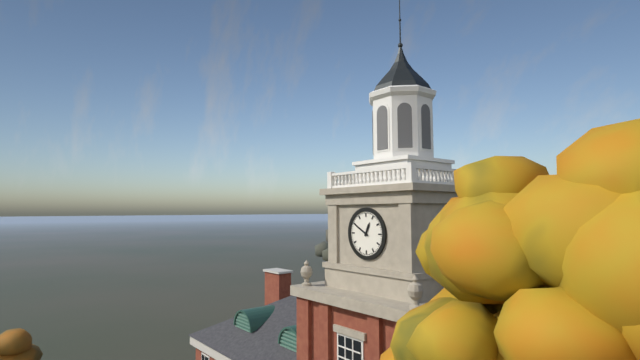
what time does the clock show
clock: 12:50
